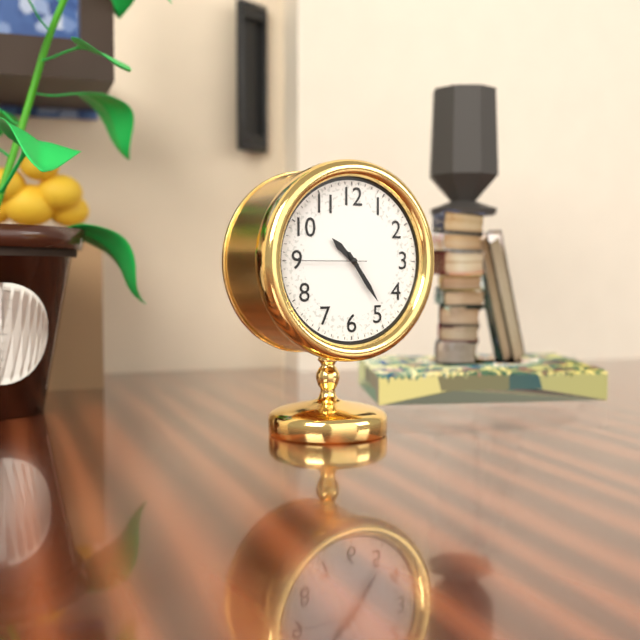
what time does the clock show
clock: 10:24:45
